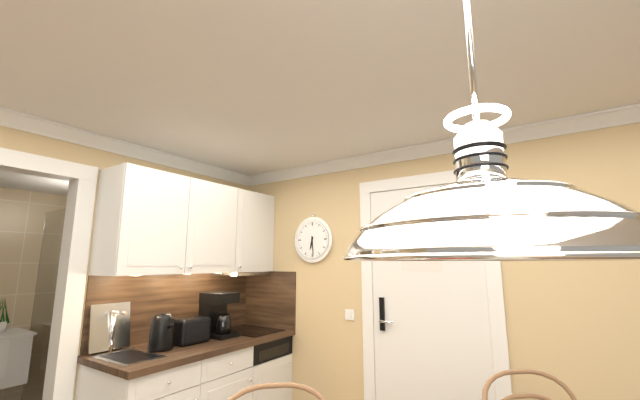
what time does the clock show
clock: 6:29
